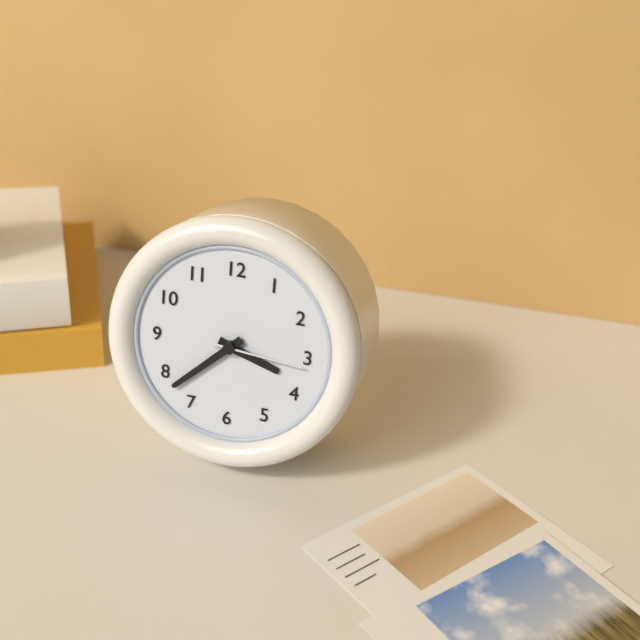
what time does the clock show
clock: 3:38:16
